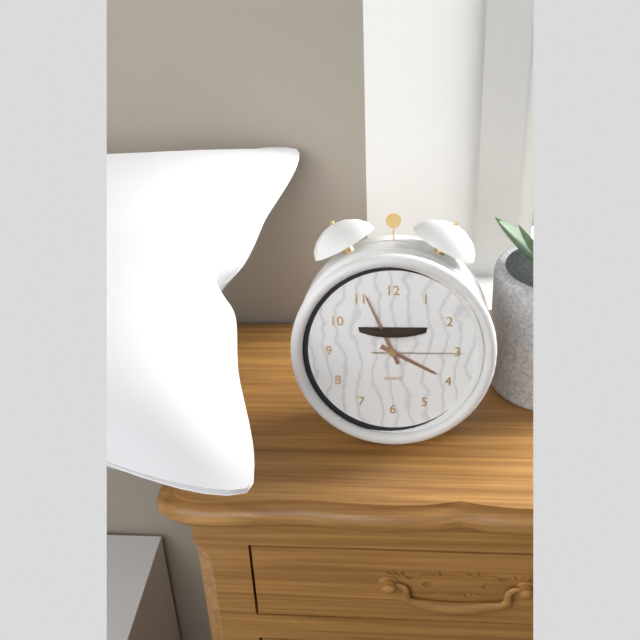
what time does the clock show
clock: 3:56:15
